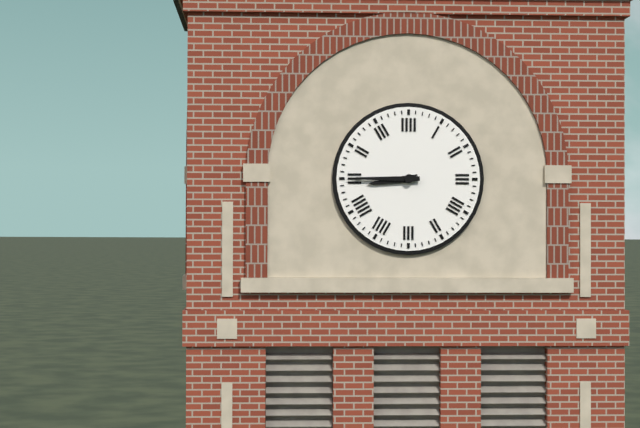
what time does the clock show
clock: 8:45
